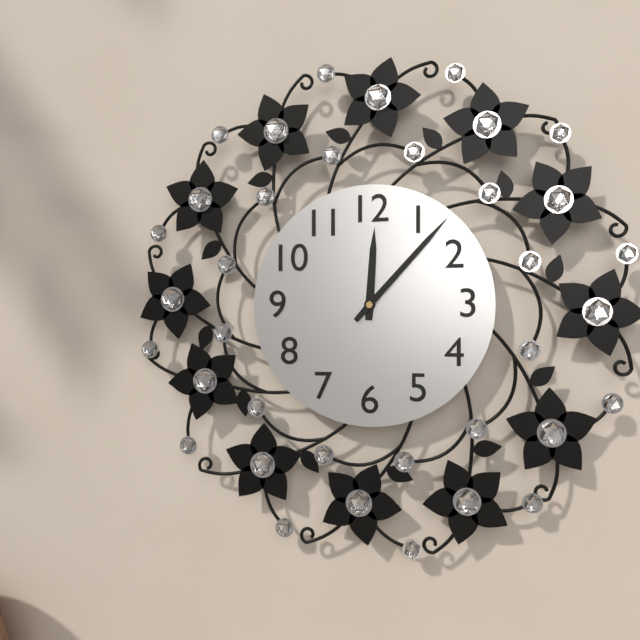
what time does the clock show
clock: 12:07
